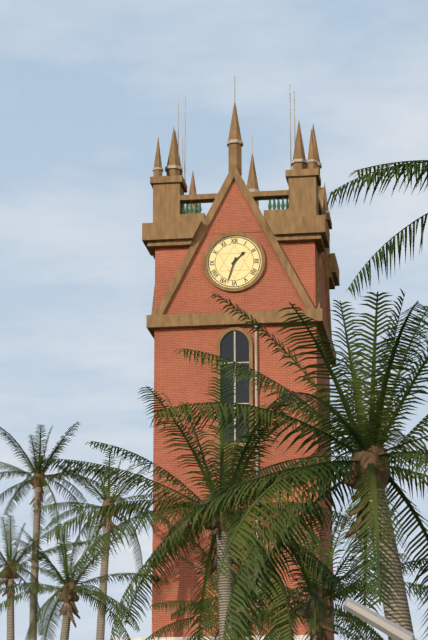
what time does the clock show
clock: 1:33
